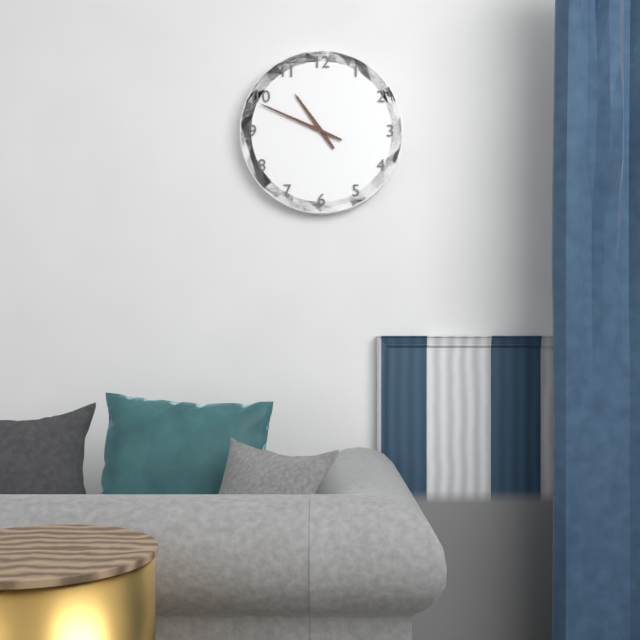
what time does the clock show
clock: 10:49
